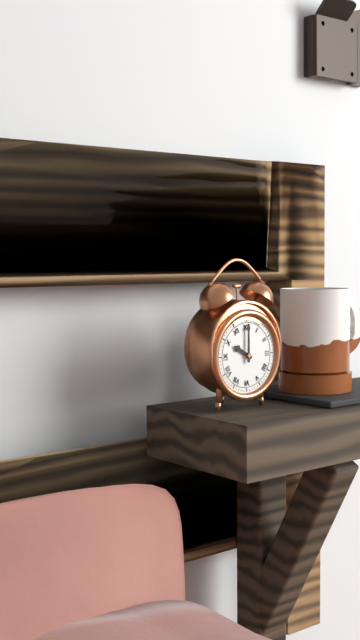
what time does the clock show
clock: 10:00
